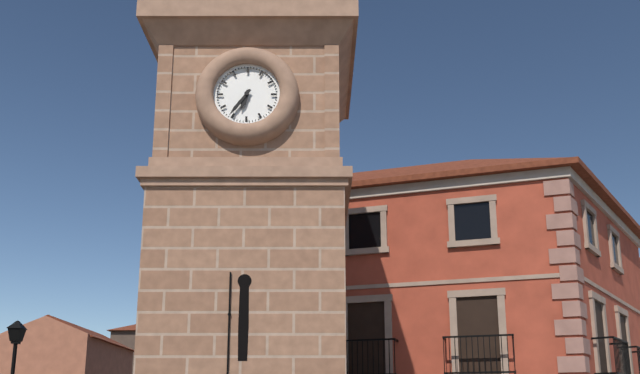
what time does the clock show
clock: 6:36
